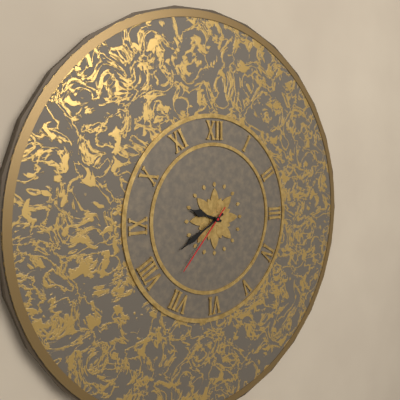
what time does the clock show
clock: 9:40:37
